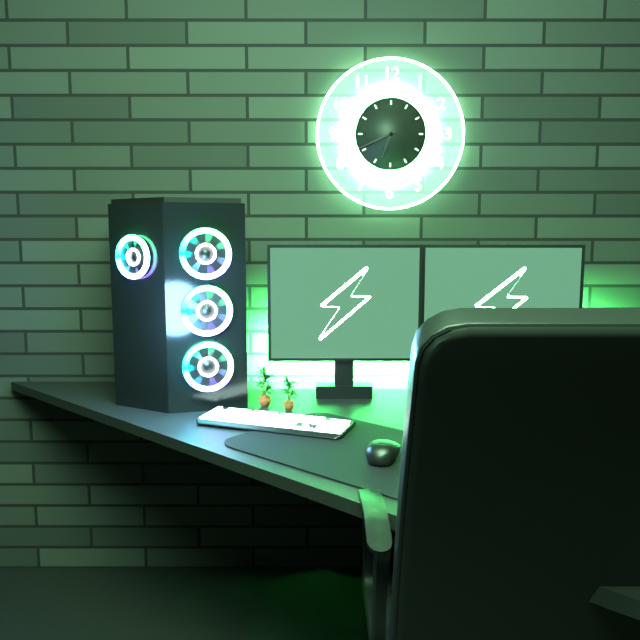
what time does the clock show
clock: 6:41
